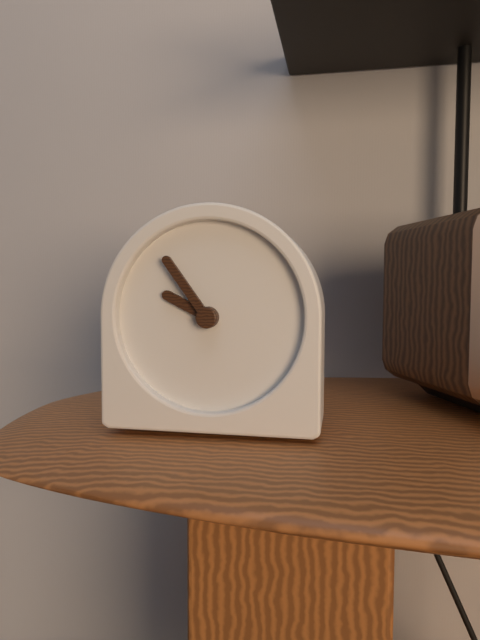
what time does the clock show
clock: 9:54
